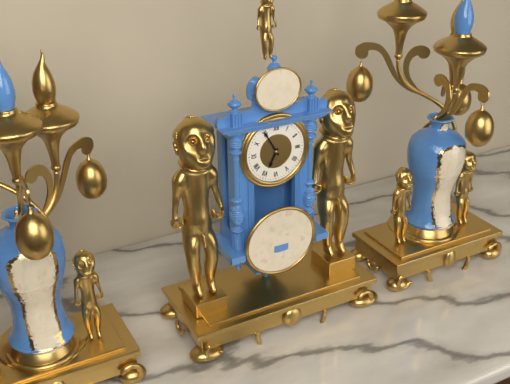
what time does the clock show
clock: 6:55
